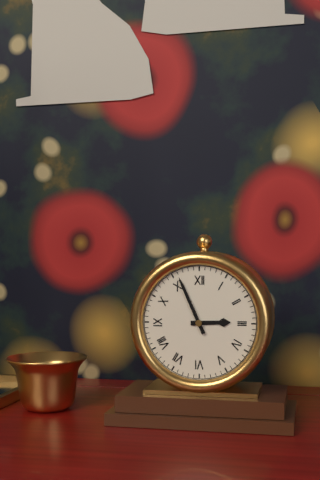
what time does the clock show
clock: 2:56
